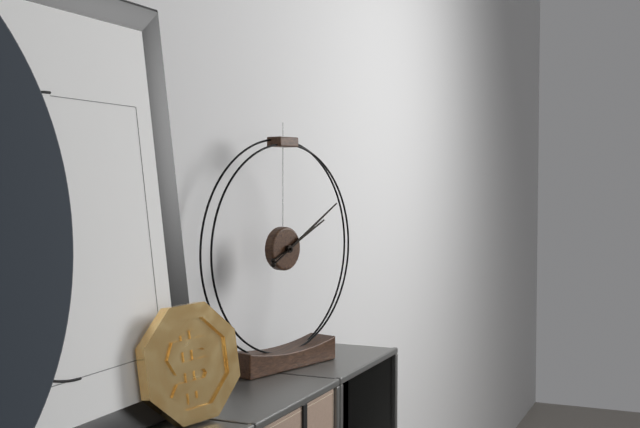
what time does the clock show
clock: 2:10
